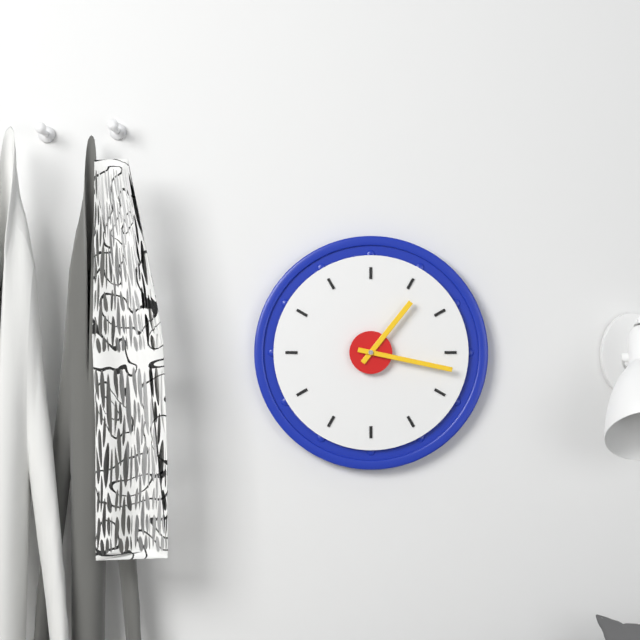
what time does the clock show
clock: 1:17
